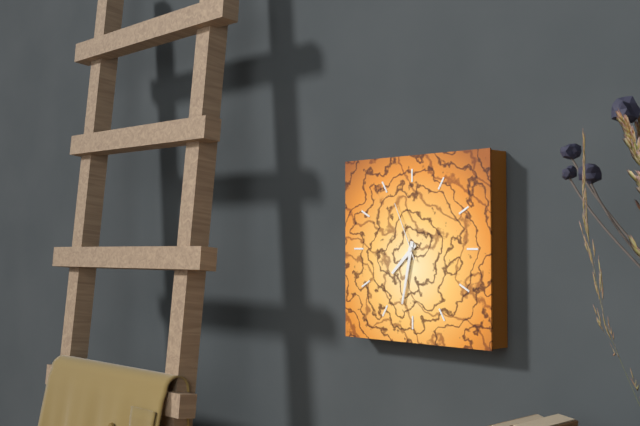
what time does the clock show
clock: 7:32:56
